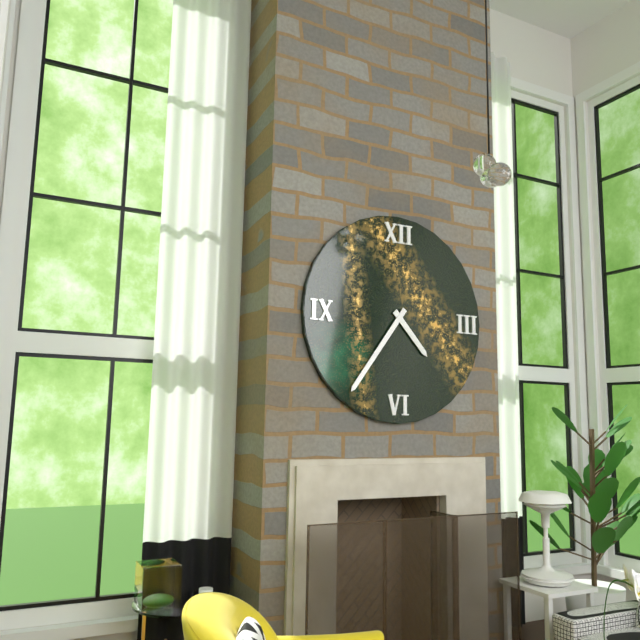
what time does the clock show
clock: 4:36
